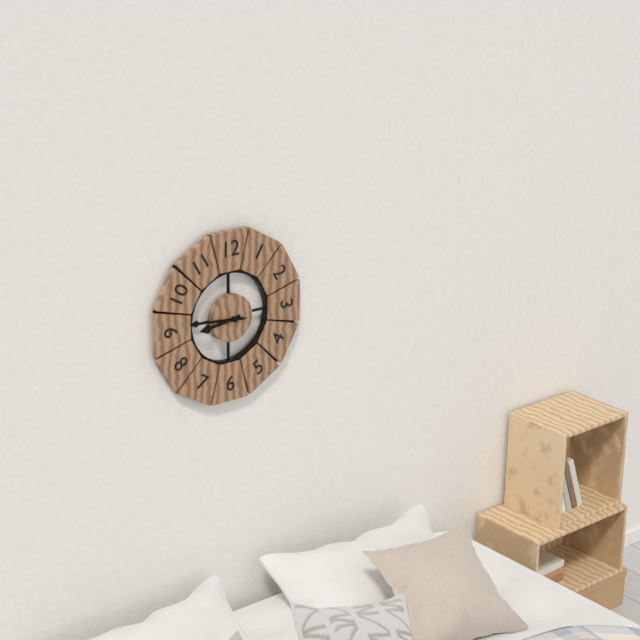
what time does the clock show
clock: 8:46:46
